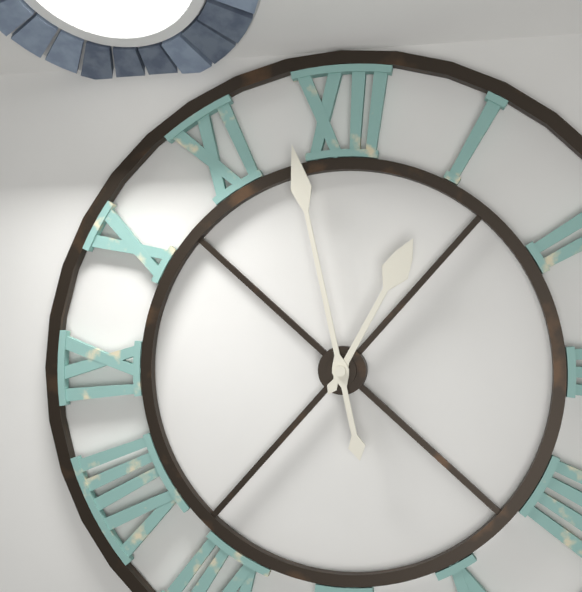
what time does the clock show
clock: 12:58
